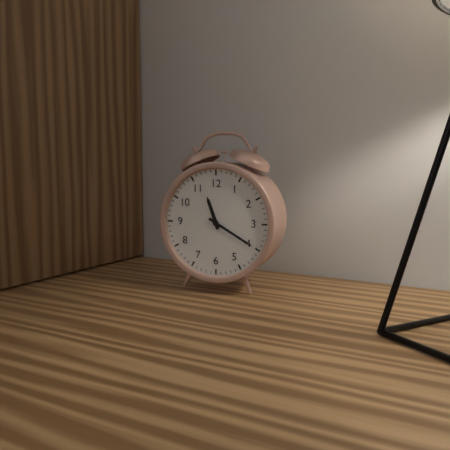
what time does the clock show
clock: 11:20
